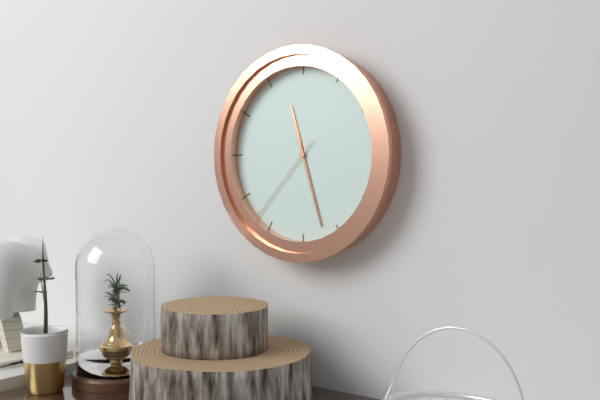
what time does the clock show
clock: 11:27:37
